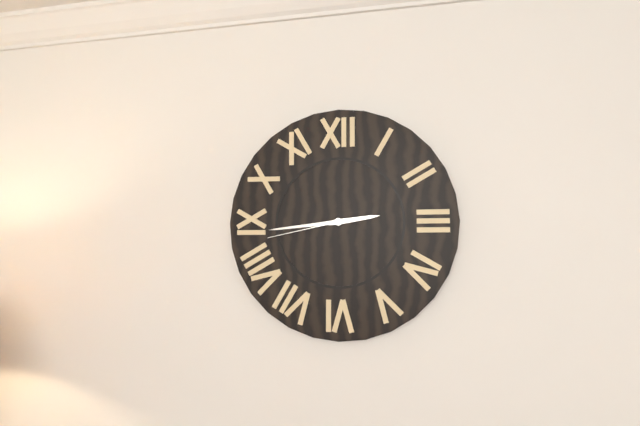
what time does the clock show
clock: 2:44:43
